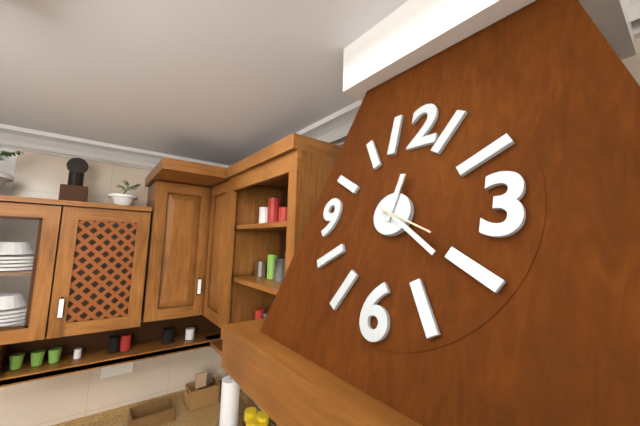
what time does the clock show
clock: 12:21:19
